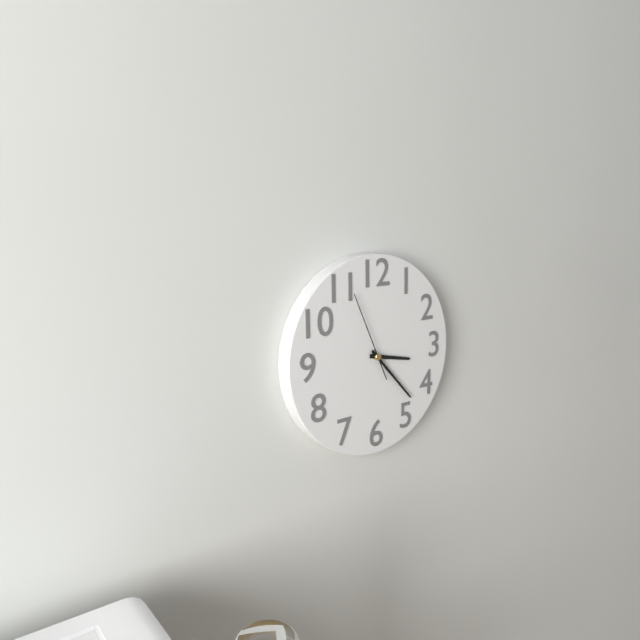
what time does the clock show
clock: 3:23:56
